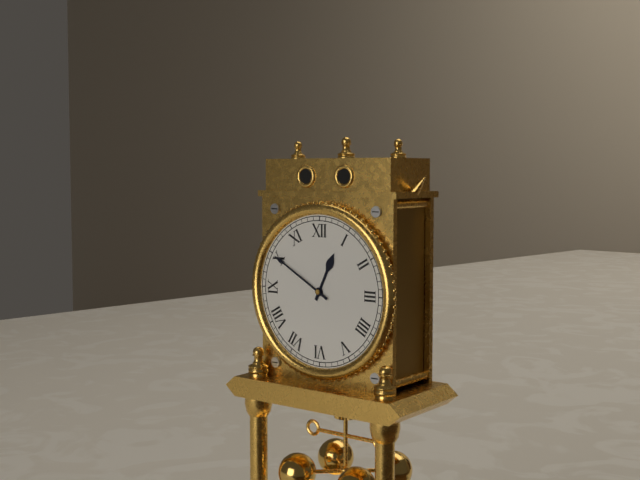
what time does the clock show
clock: 12:50
